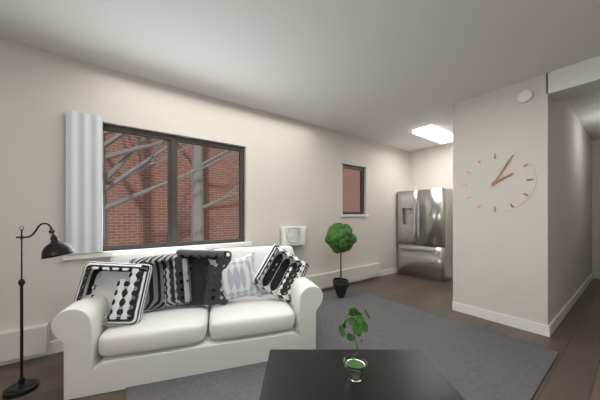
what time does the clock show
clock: 2:05
